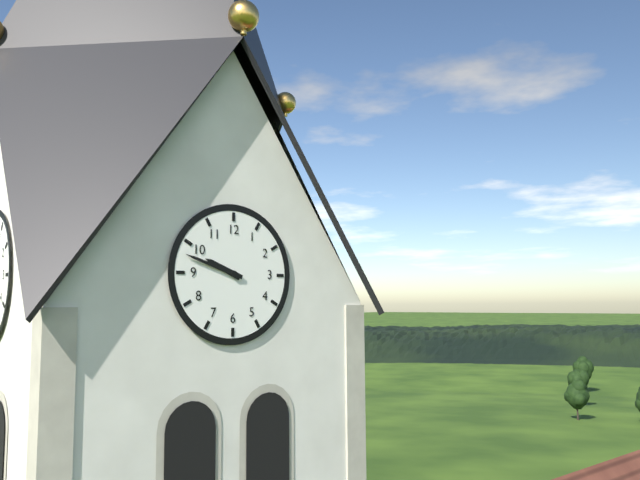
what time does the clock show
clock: 9:48
